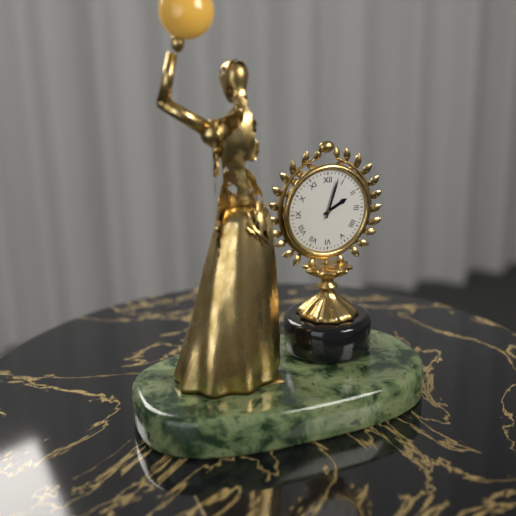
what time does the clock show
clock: 2:03
